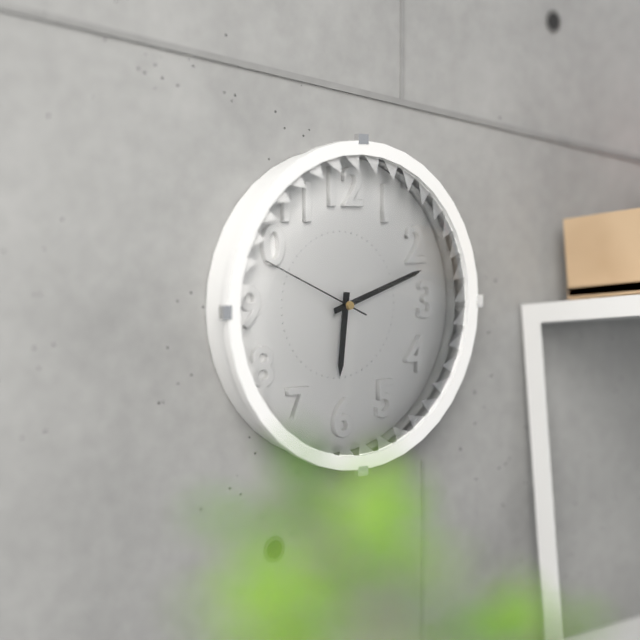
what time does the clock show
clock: 6:12:49
